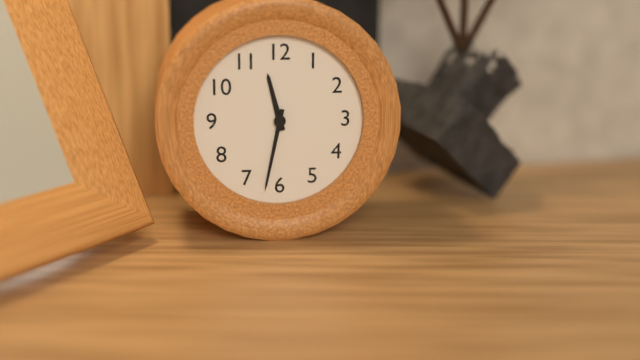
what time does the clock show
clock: 11:32
